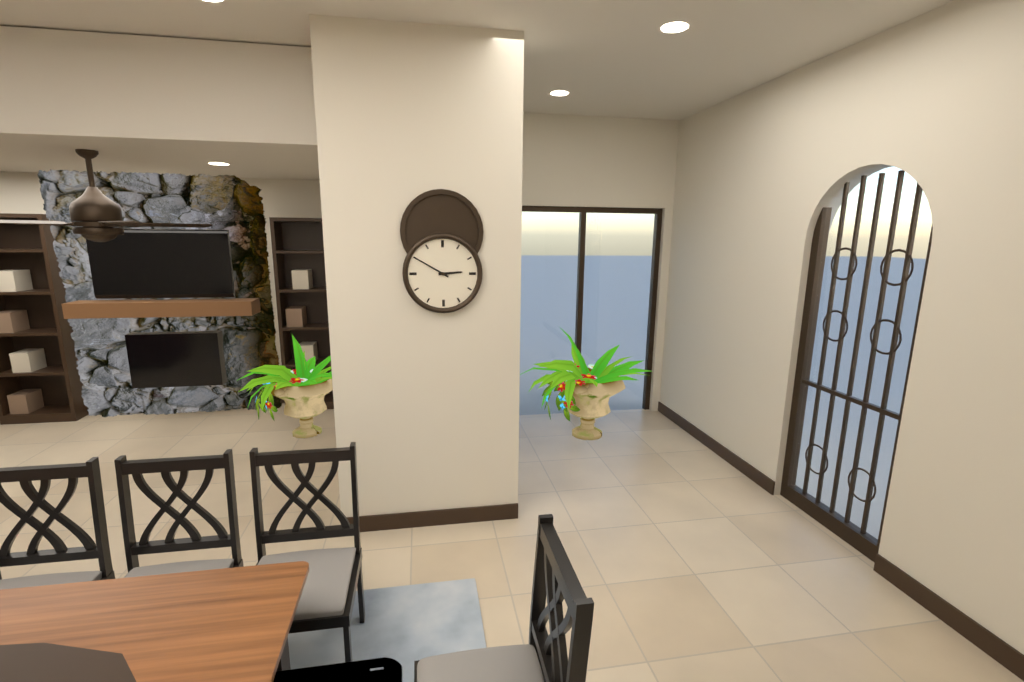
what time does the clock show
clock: 2:50
